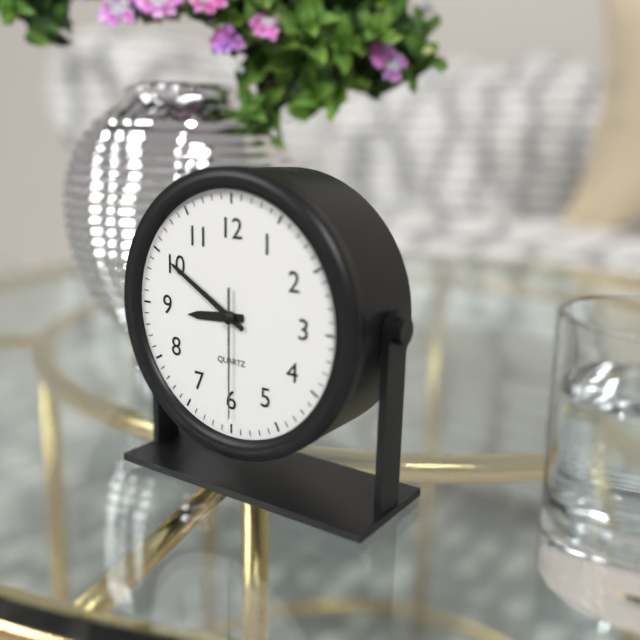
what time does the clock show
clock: 8:50:30
